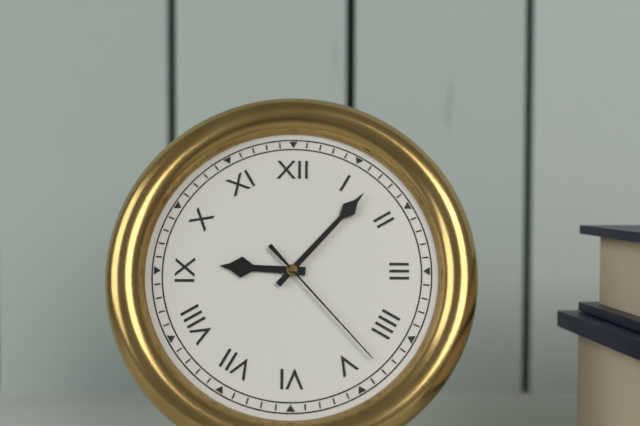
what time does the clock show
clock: 9:07:23
